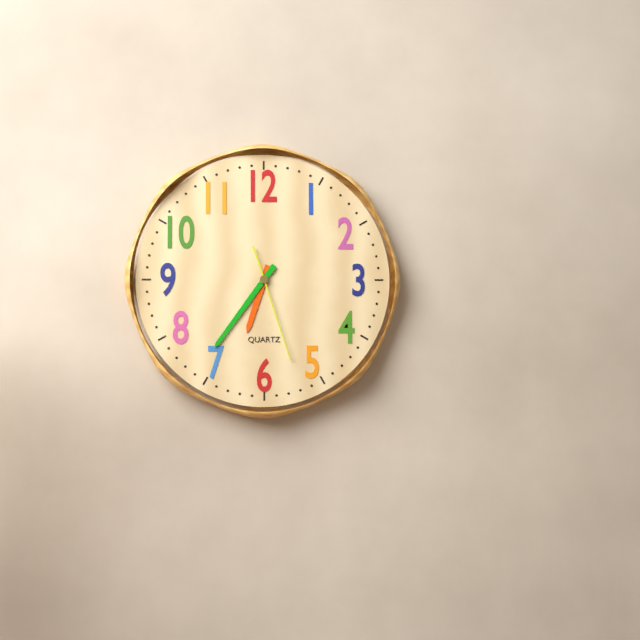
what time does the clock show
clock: 6:36:27
